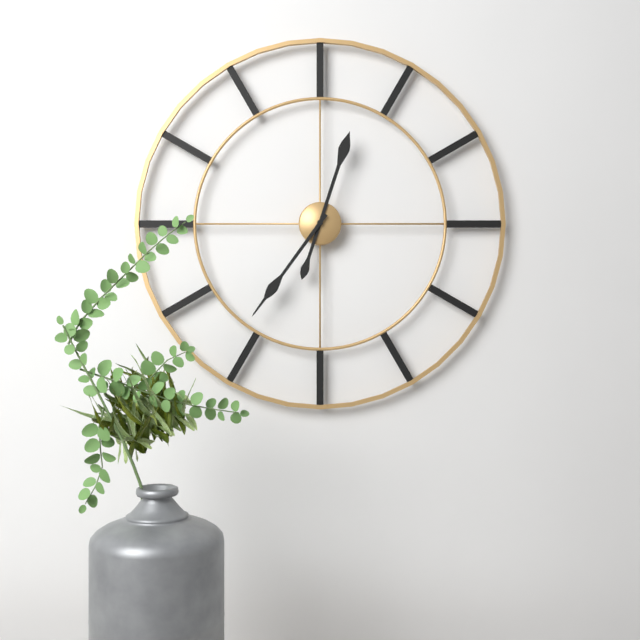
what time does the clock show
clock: 12:36
